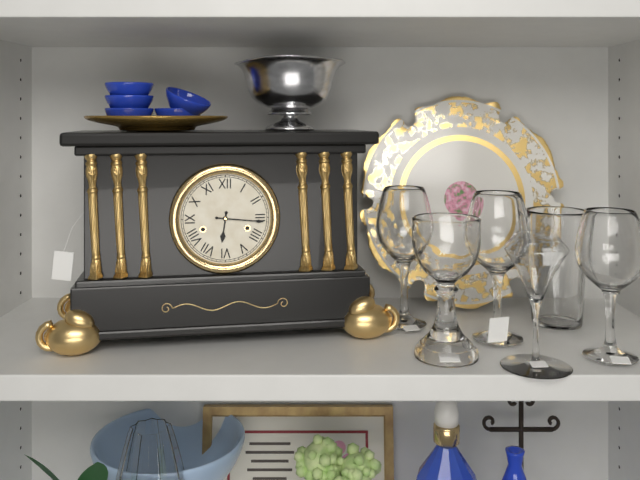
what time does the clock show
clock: 6:16
